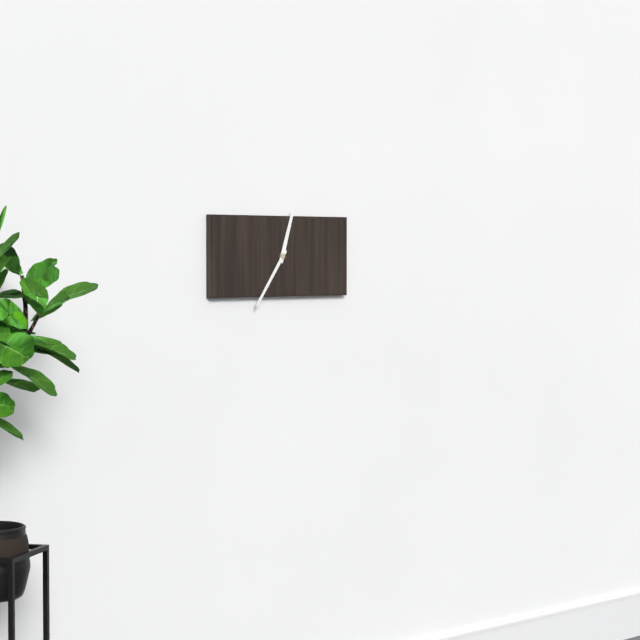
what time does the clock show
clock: 12:36
